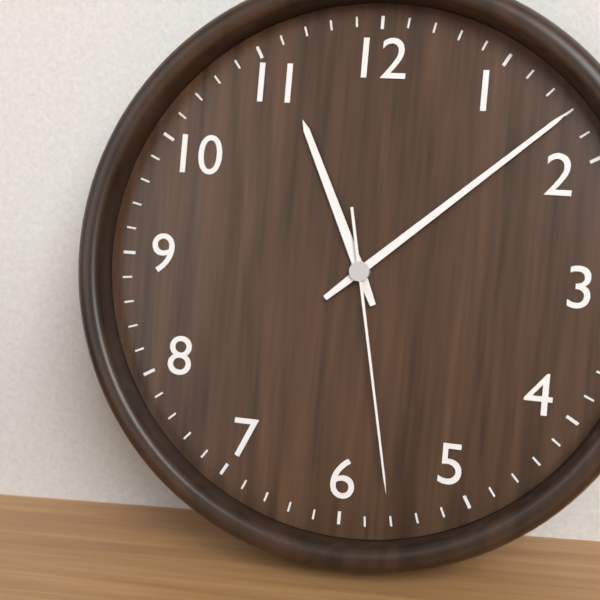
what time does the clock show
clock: 11:08:28
